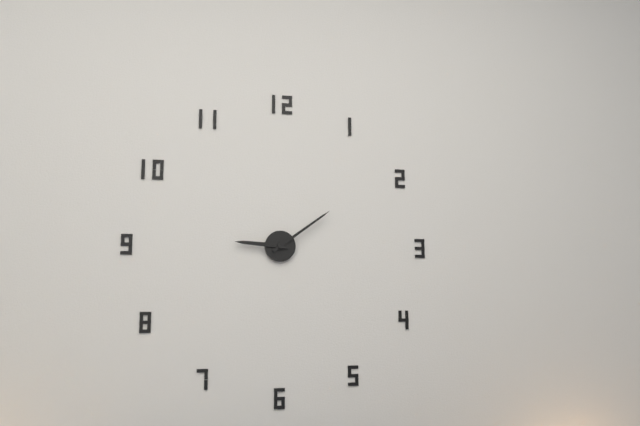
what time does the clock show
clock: 9:09
